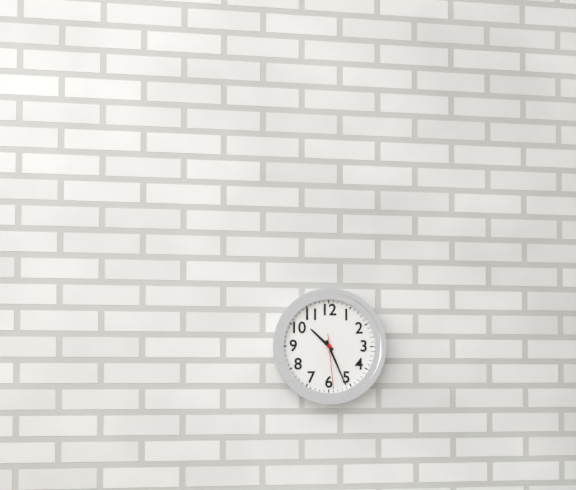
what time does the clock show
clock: 10:26:29
